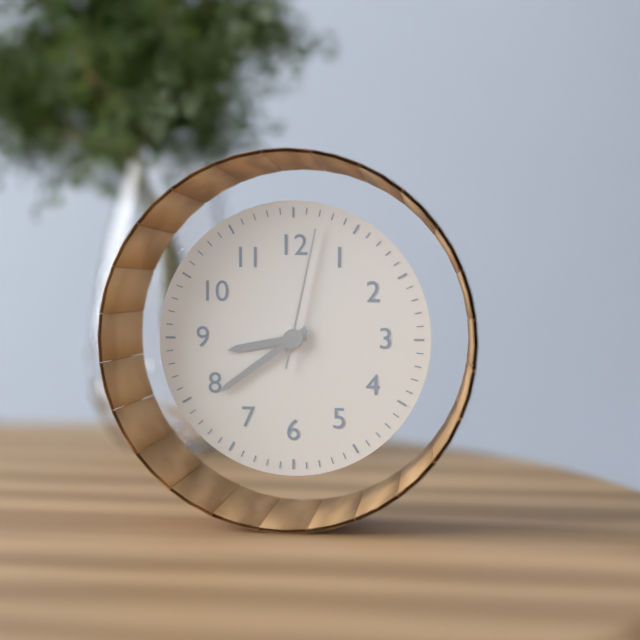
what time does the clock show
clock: 8:39:02
